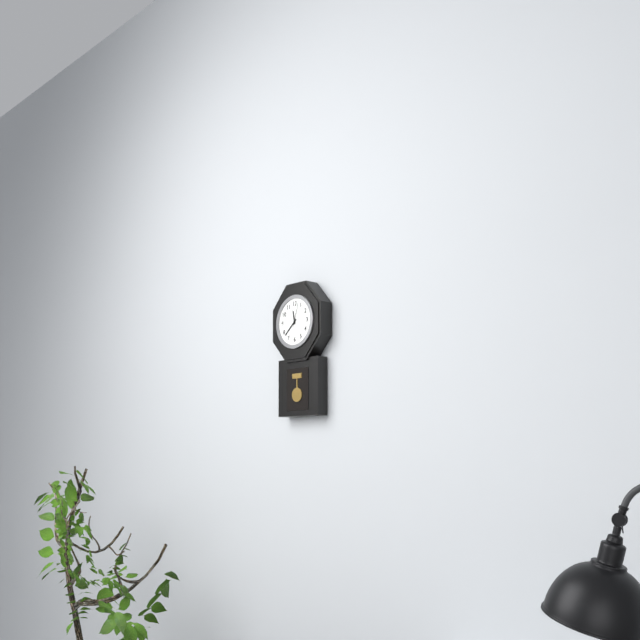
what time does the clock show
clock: 11:38
